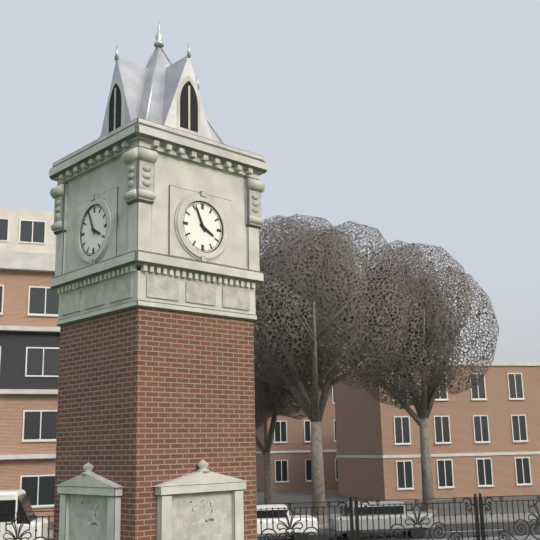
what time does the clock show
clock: 3:56
